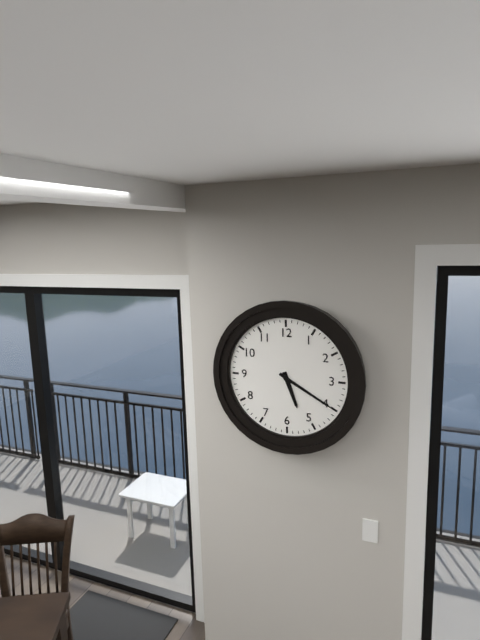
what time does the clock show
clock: 5:20
